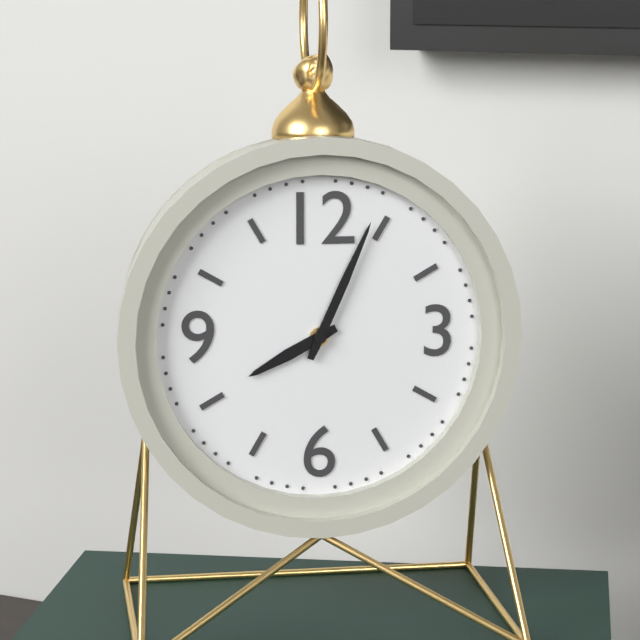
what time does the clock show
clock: 8:04
